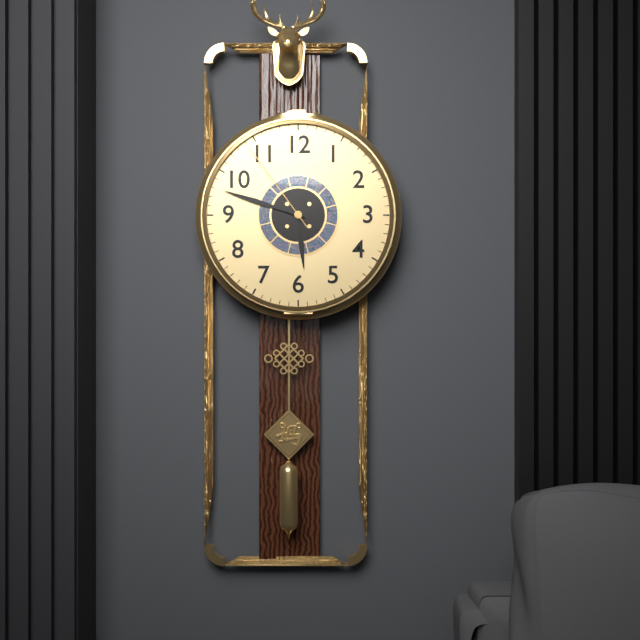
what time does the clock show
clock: 5:48:54
